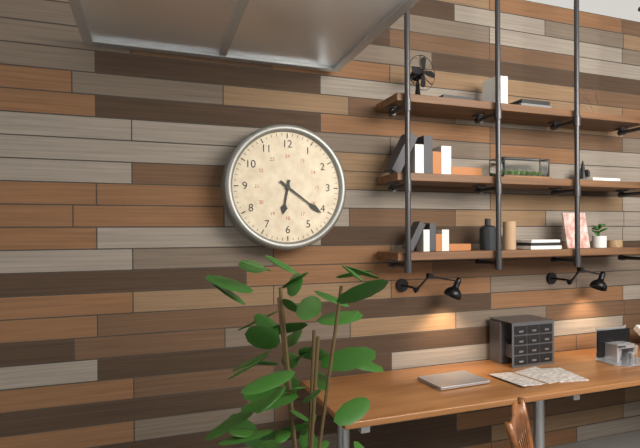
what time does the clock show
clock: 6:21
